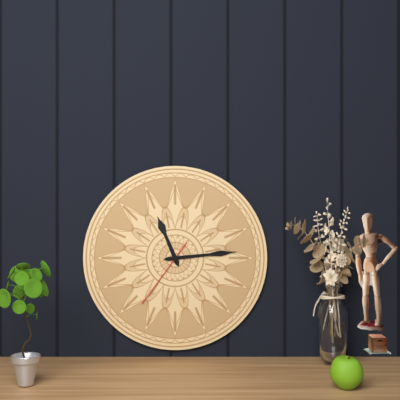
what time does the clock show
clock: 11:14:36
